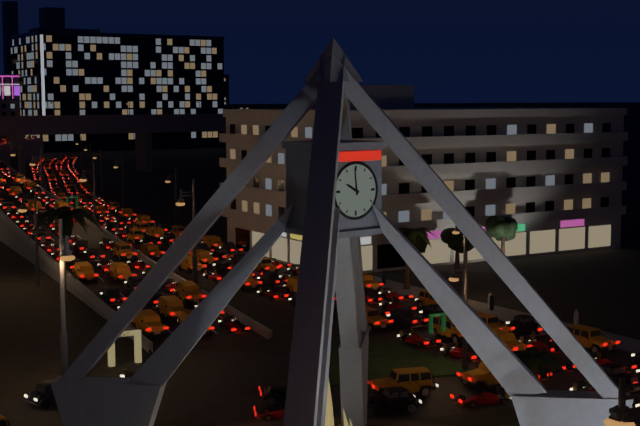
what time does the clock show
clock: 9:59
